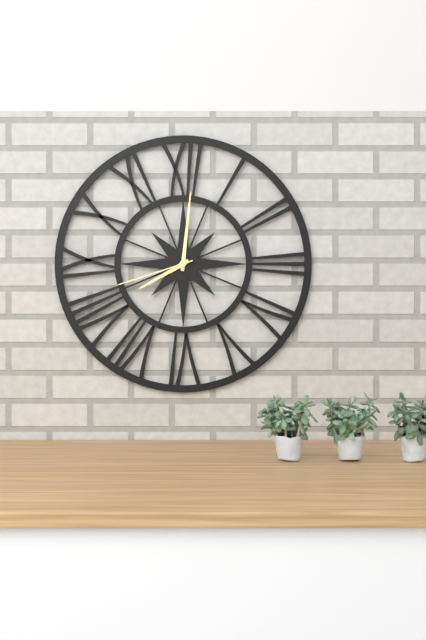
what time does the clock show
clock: 8:01:42
